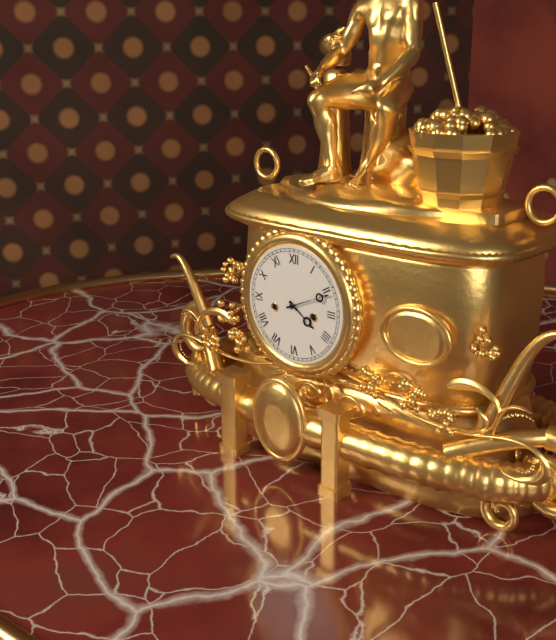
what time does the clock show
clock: 4:11
